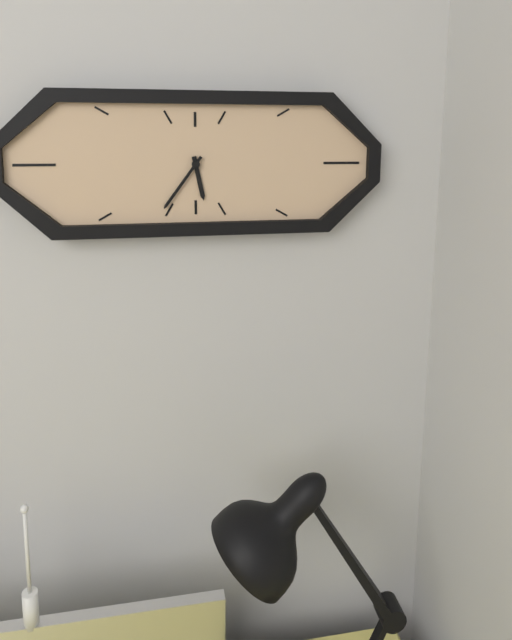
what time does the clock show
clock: 5:36
